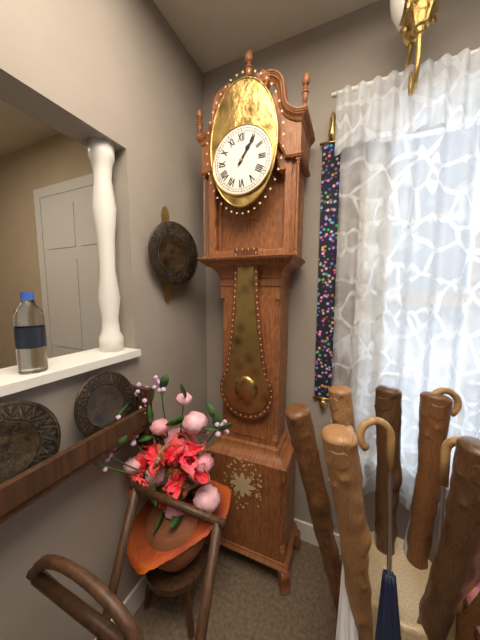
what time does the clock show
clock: 1:06
